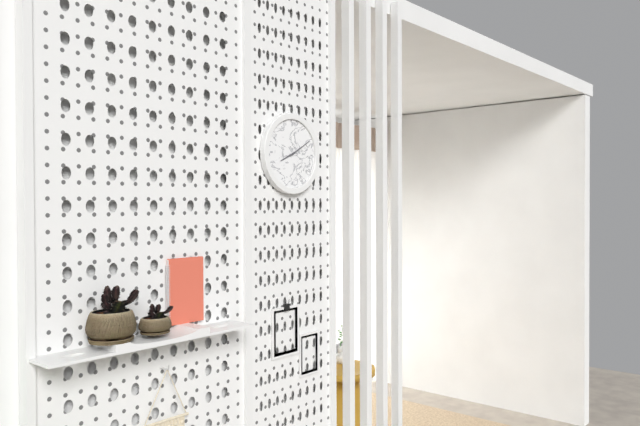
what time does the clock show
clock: 8:10
